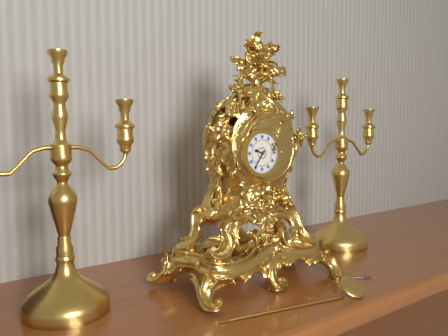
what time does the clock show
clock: 9:36
